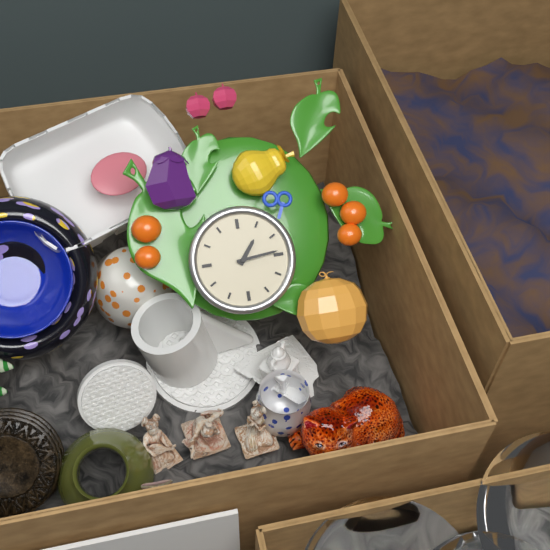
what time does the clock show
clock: 1:14
